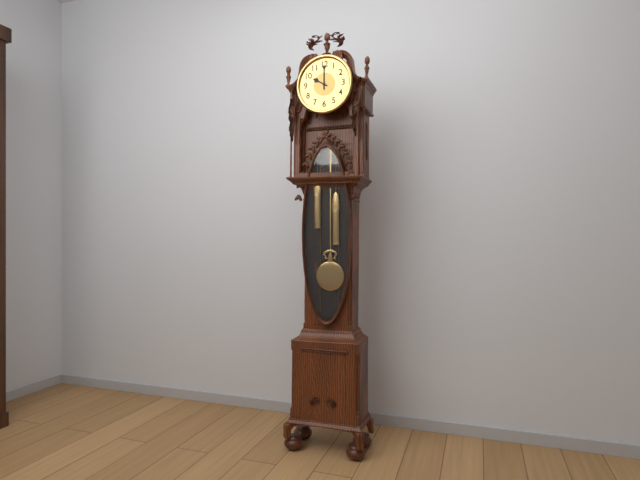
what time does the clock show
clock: 10:00
